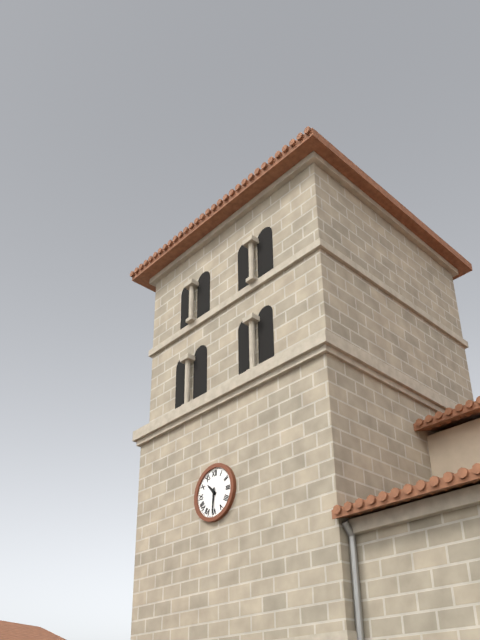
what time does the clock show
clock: 10:31
